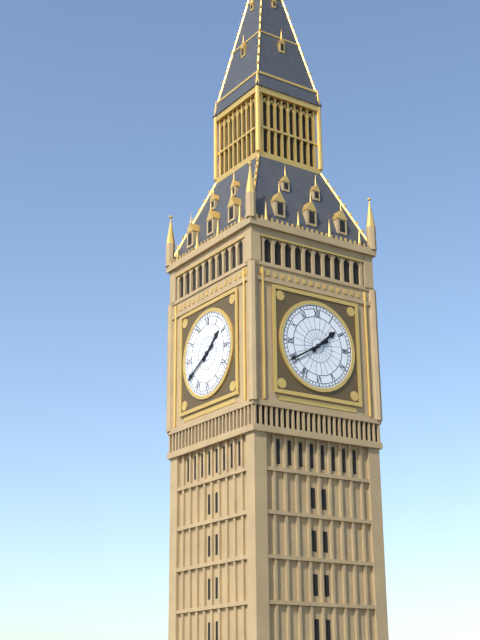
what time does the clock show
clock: 1:40
